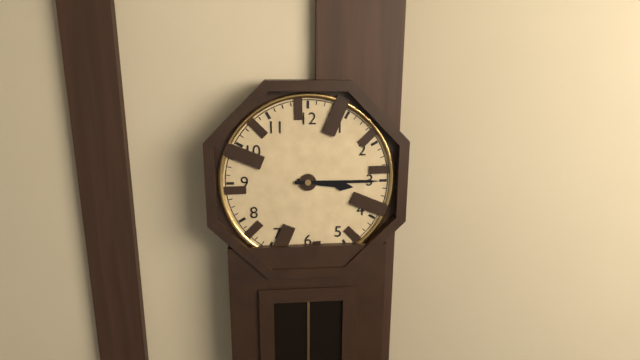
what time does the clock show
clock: 3:15
